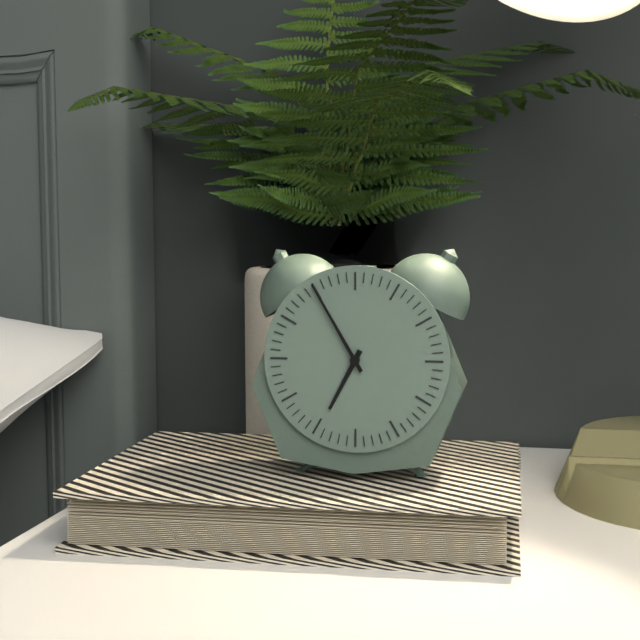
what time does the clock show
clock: 6:55
